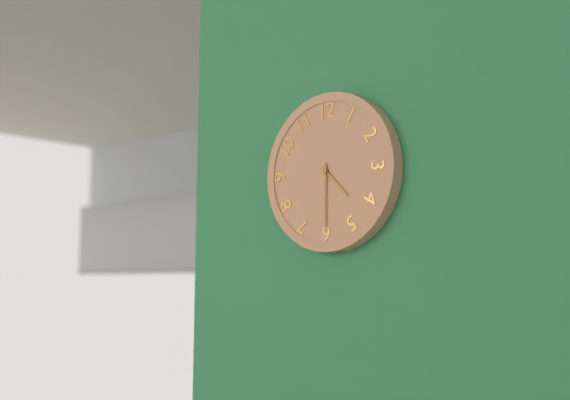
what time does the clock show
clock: 4:30
